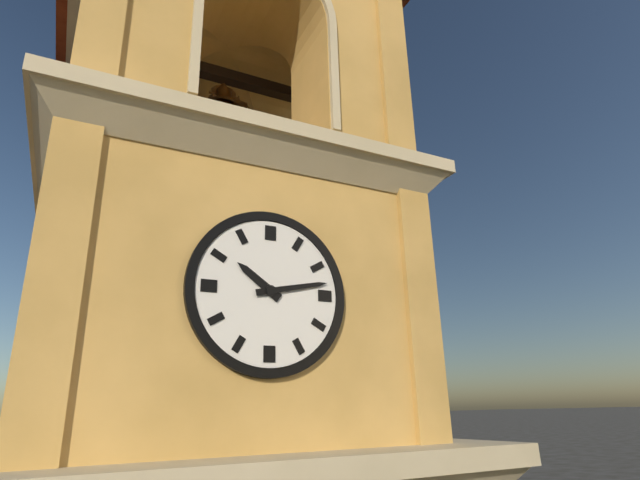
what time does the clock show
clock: 10:13
